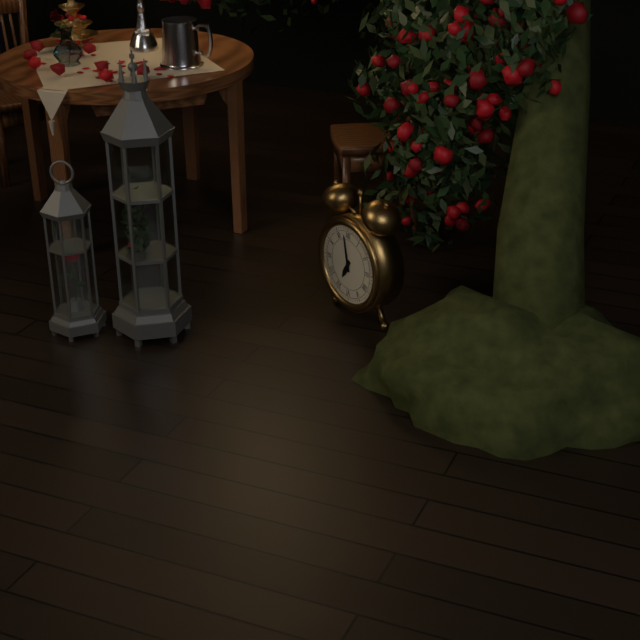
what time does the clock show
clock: 6:58
